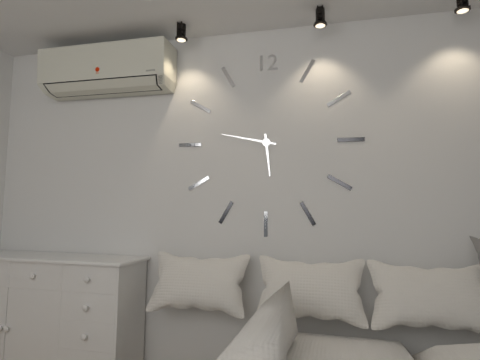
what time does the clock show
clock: 5:47
